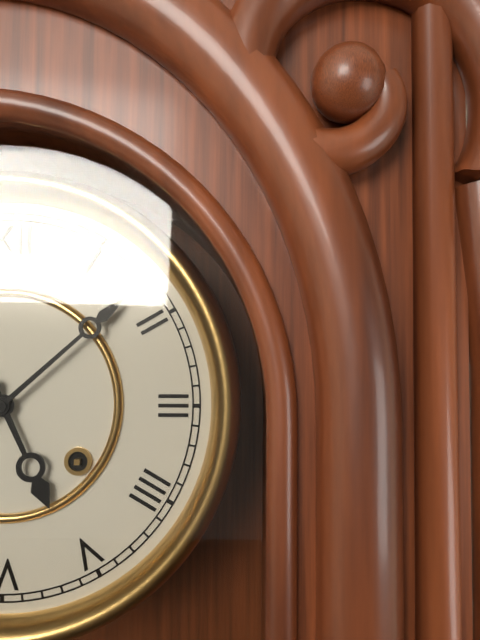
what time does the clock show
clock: 5:08
